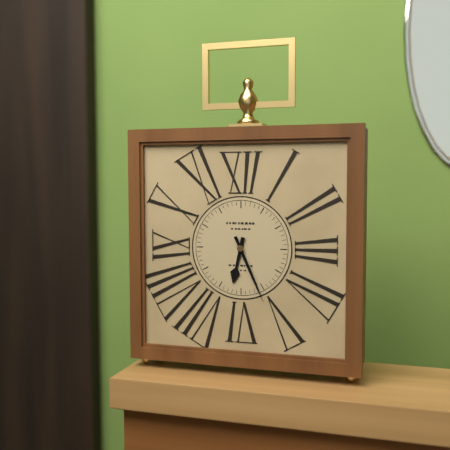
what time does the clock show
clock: 6:26
